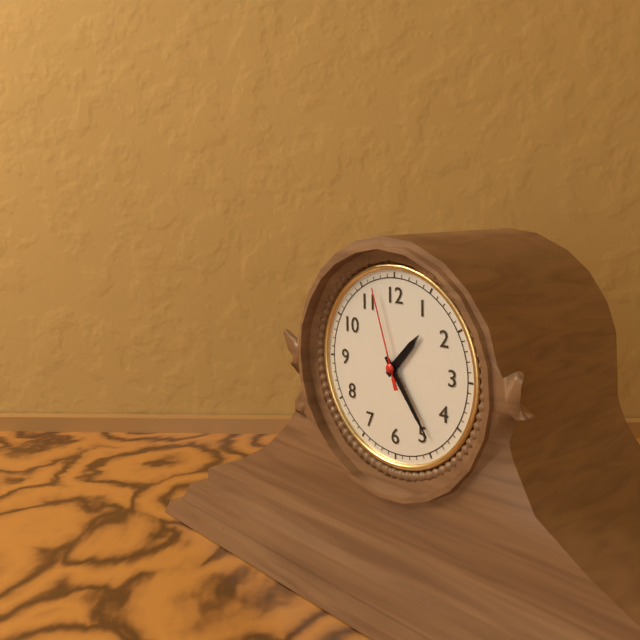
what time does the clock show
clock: 1:24:57
